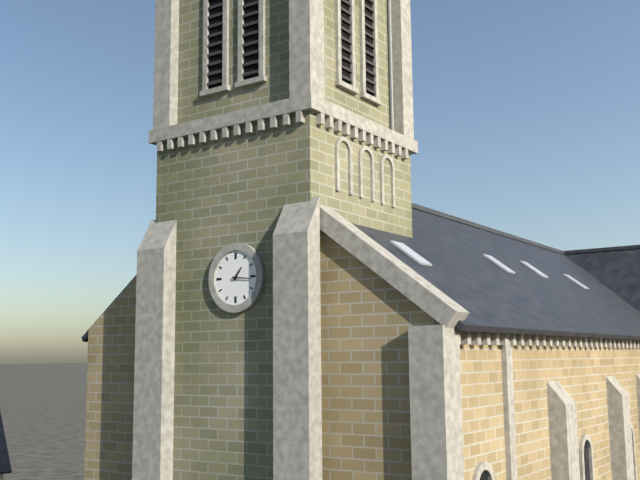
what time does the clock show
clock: 1:16
